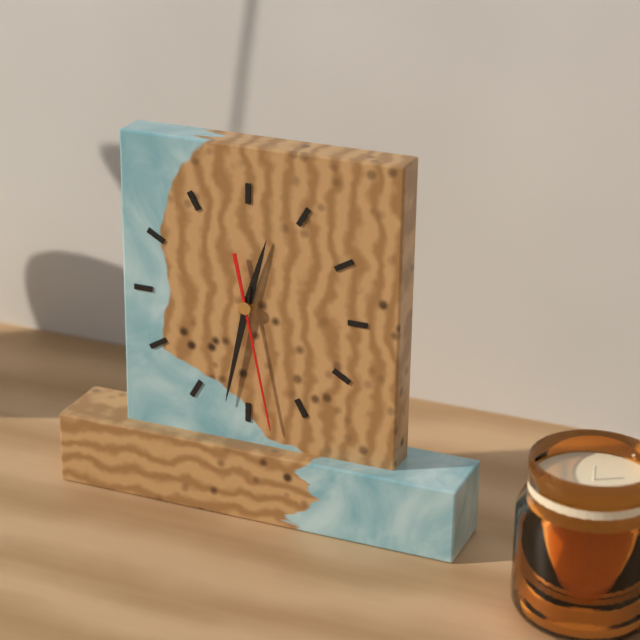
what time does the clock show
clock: 12:32:28
